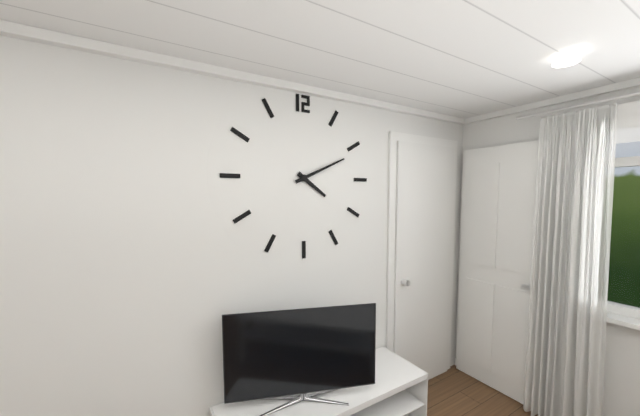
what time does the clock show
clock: 4:11
